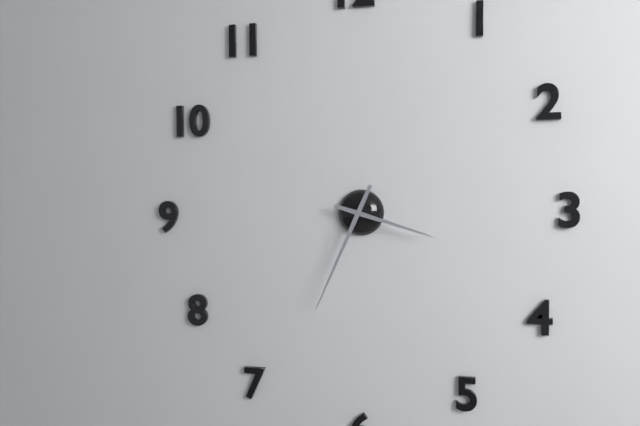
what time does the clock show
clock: 3:34
